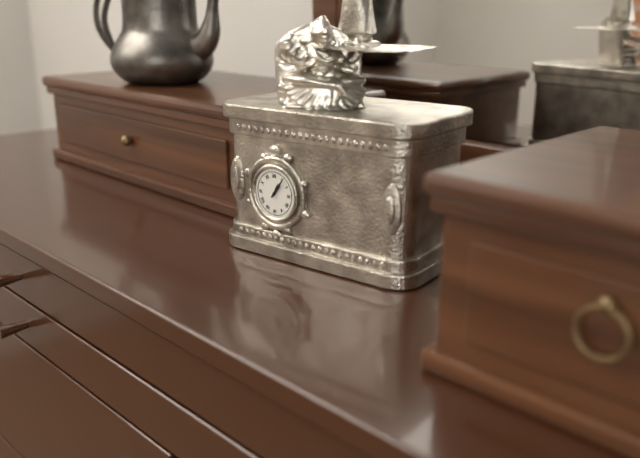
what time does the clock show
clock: 1:06
